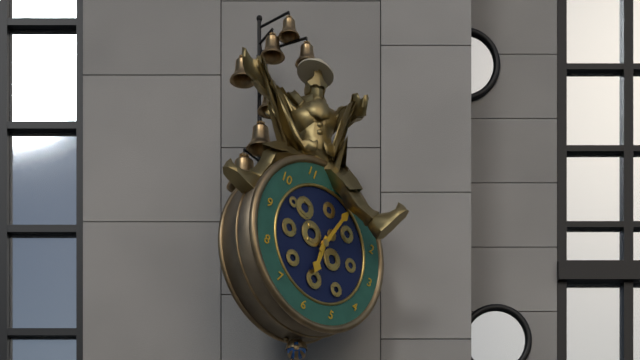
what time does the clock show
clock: 6:03
